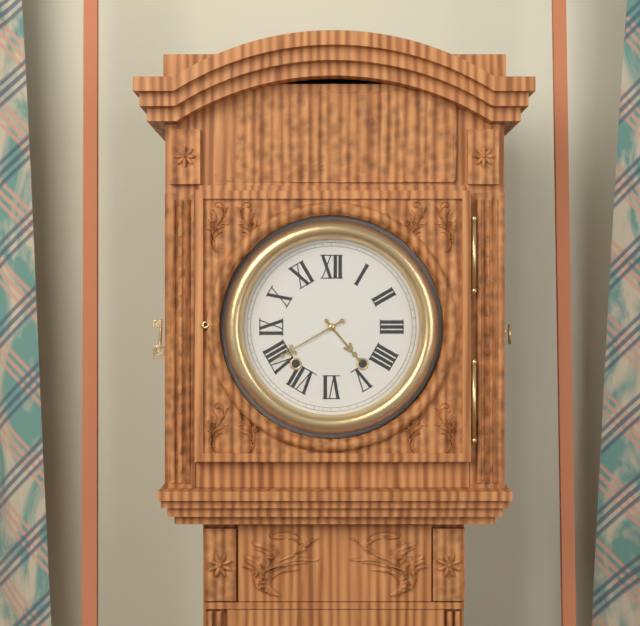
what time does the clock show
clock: 4:40
